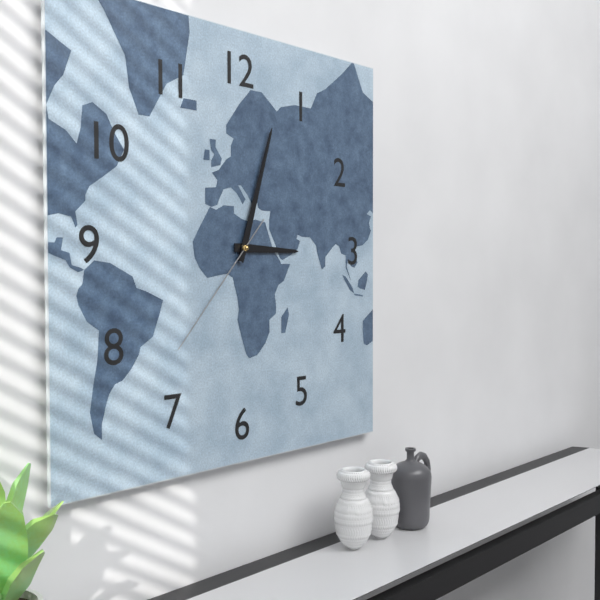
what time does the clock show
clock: 3:03:37
